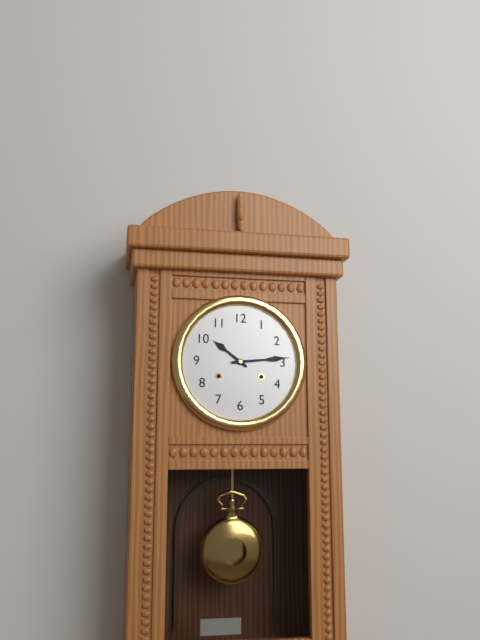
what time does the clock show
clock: 10:14
